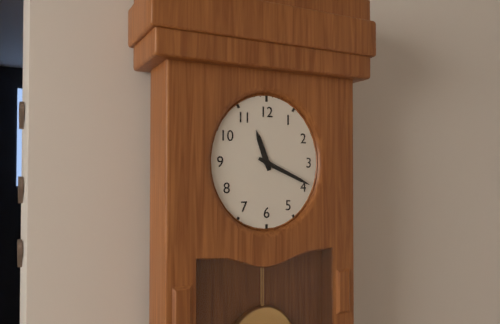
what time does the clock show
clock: 11:19
